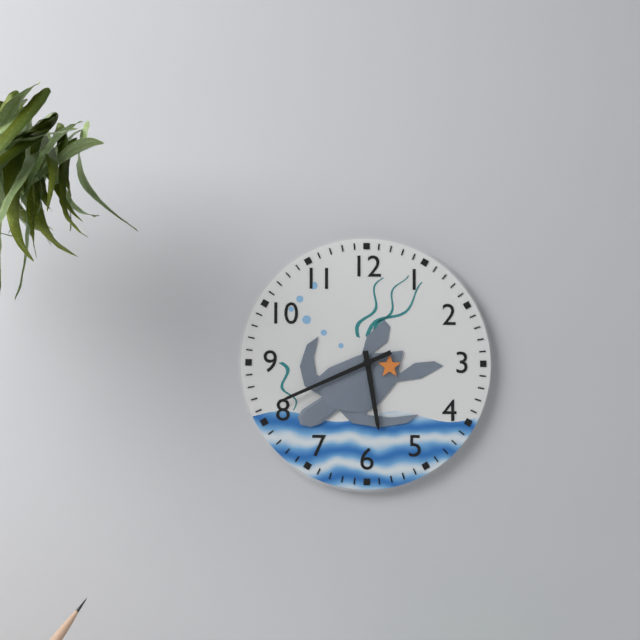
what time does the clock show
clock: 5:41
